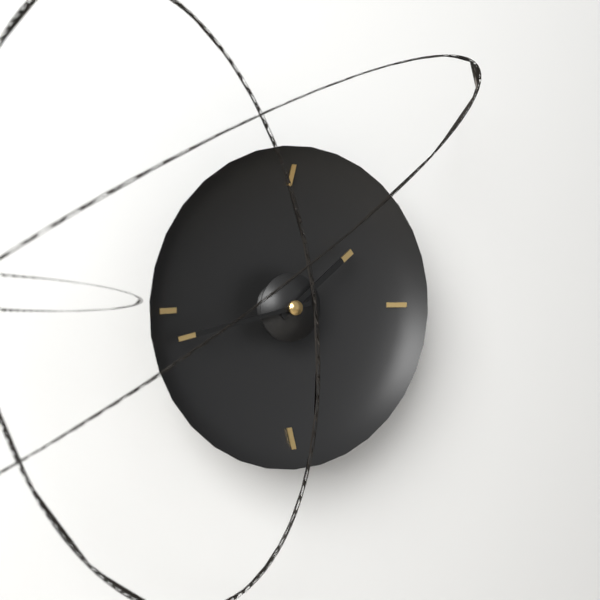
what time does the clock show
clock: 1:43
